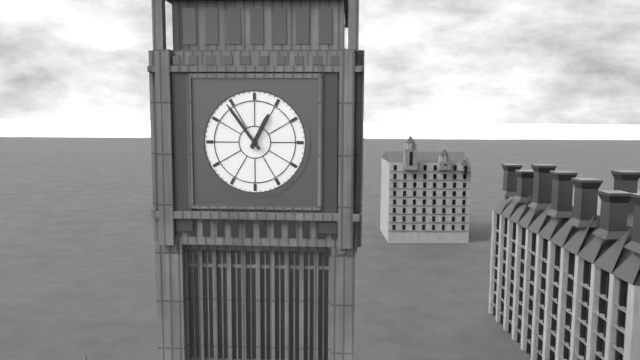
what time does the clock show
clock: 12:54
